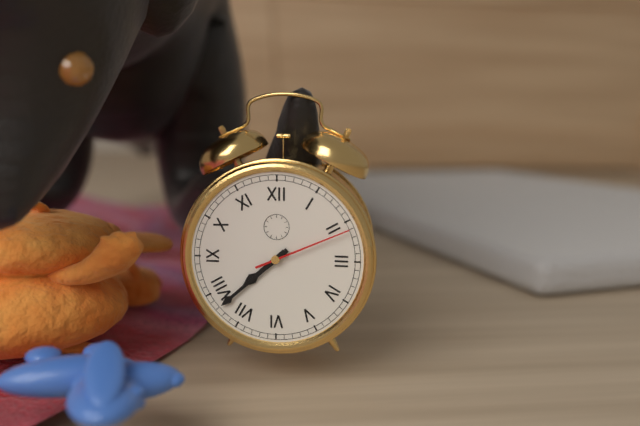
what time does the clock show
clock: 7:38:11
